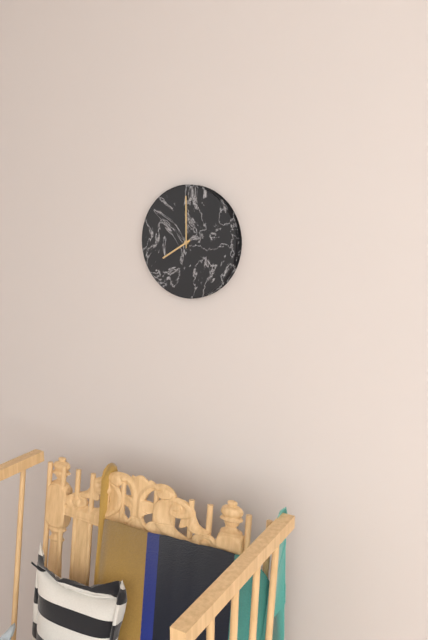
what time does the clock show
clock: 8:00
